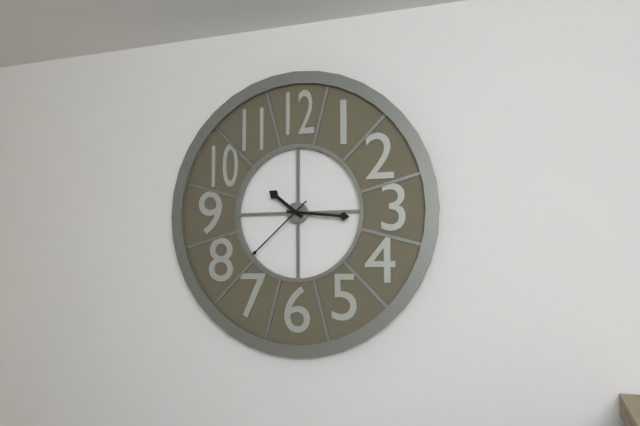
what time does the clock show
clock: 10:16:38
